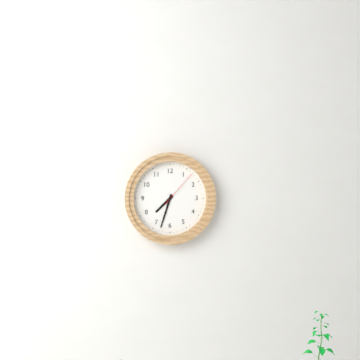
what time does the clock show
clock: 7:33
